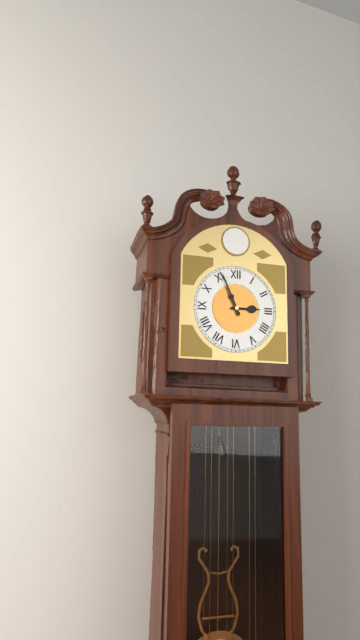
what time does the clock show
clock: 2:56
